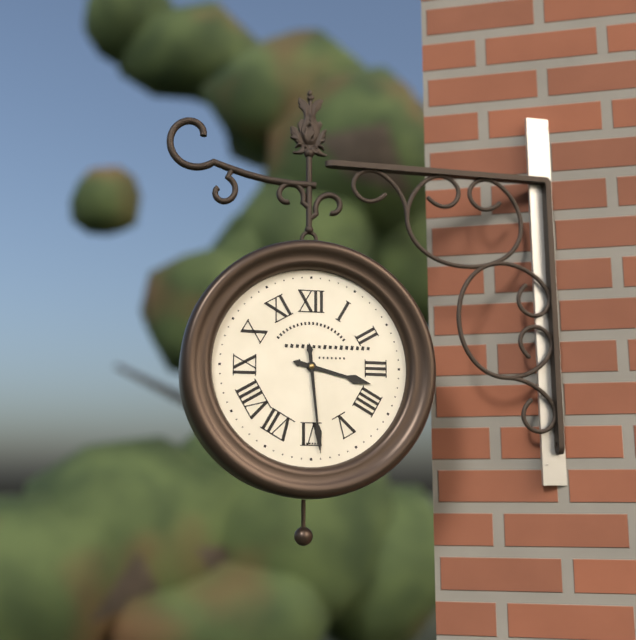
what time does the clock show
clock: 3:29
